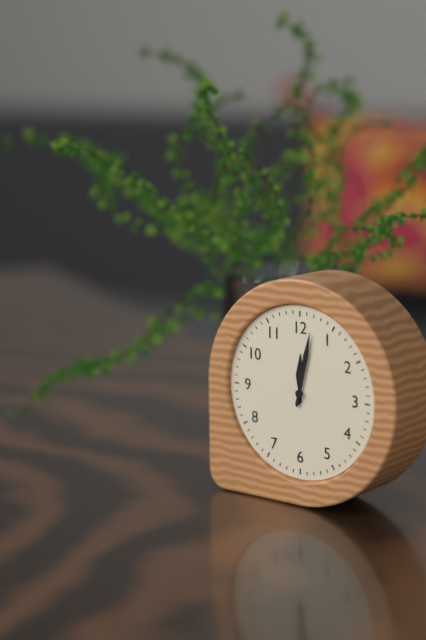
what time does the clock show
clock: 12:02
